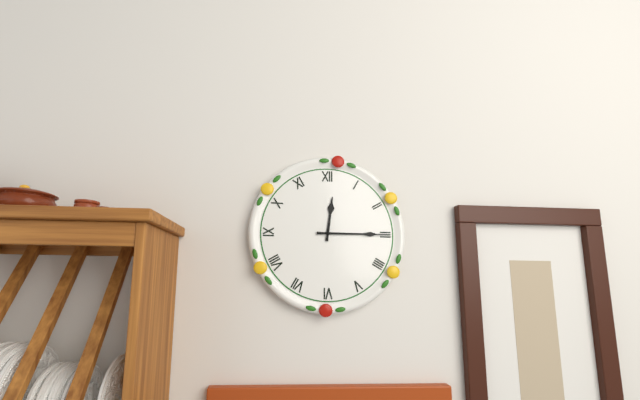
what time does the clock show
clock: 12:15
